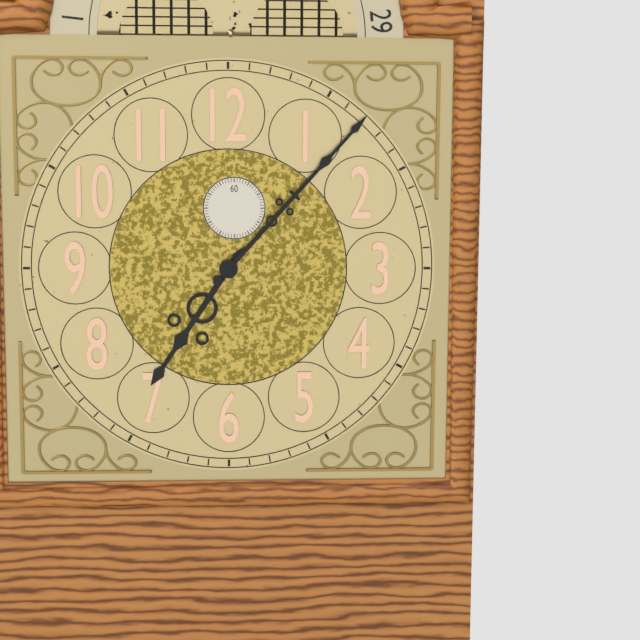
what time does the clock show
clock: 7:07
